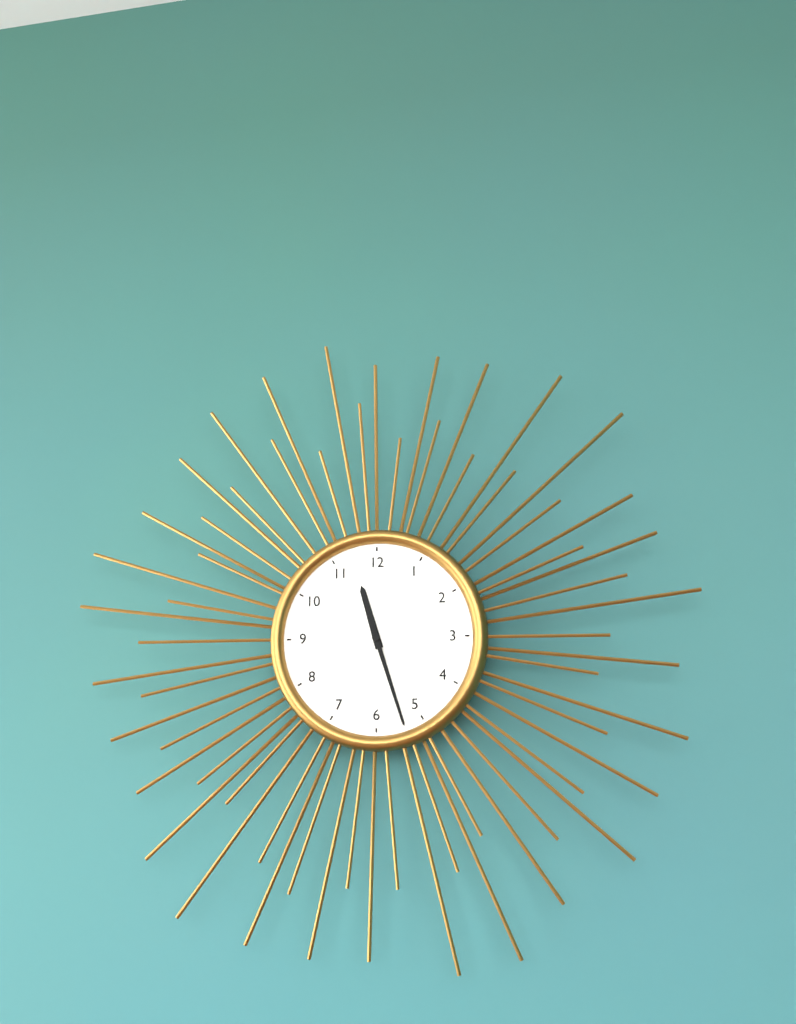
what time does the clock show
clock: 11:27
